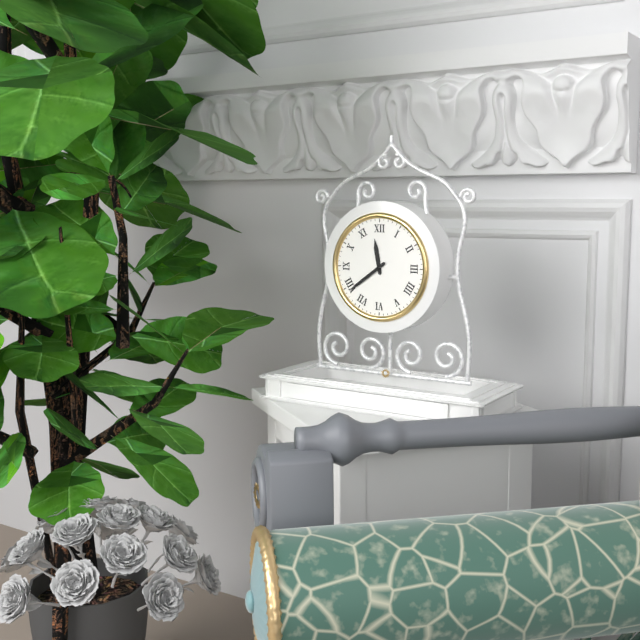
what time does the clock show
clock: 11:39
